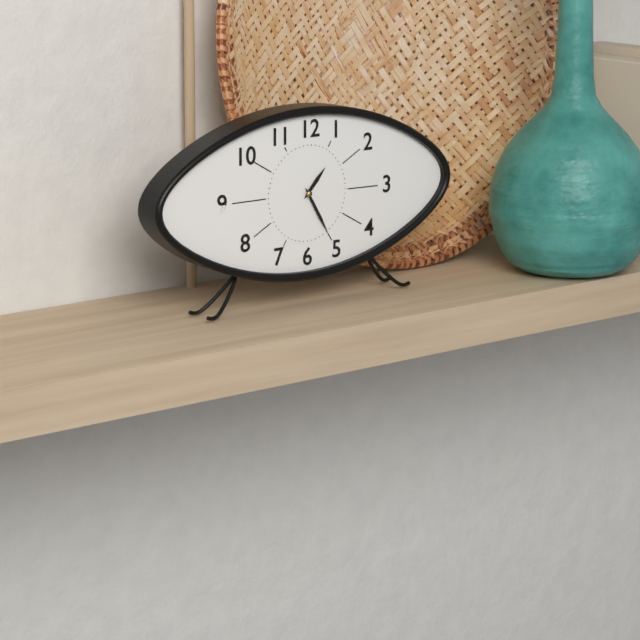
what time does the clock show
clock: 1:25
